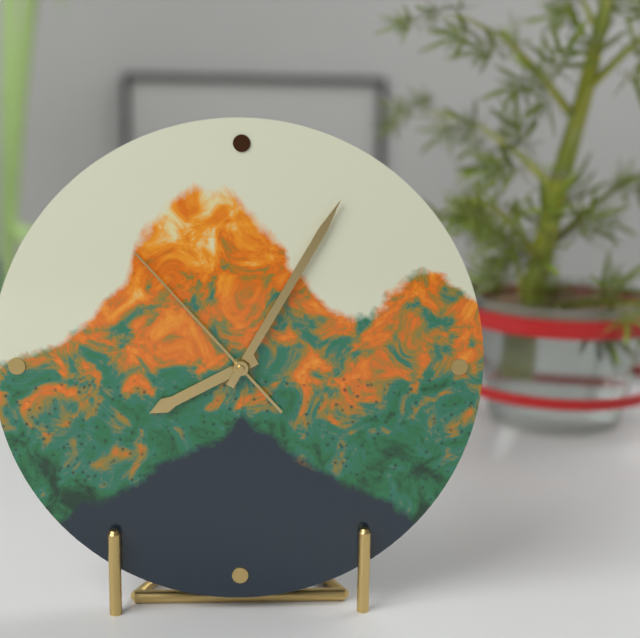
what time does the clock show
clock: 8:05:53
